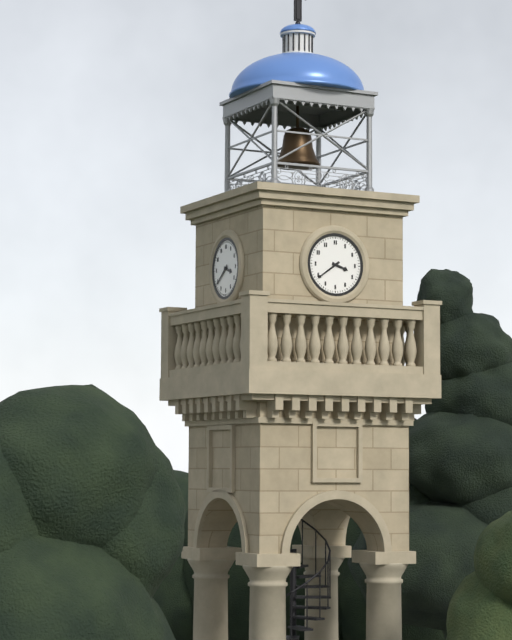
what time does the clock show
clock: 3:39
